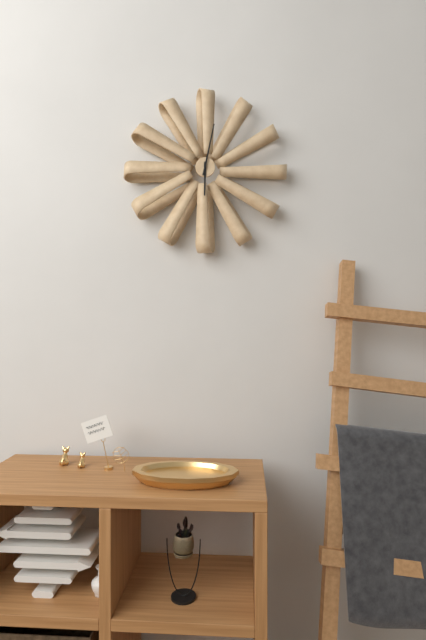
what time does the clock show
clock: 6:02
